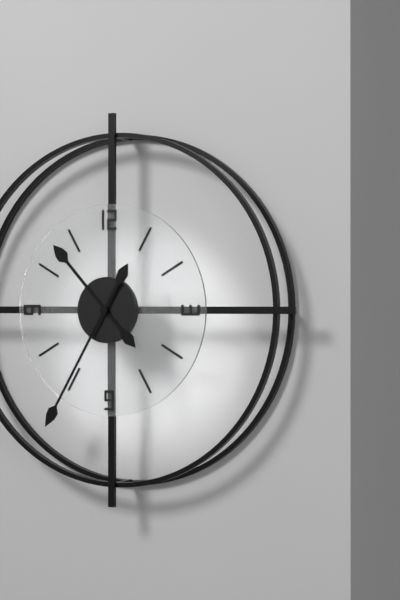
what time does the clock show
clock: 10:35
